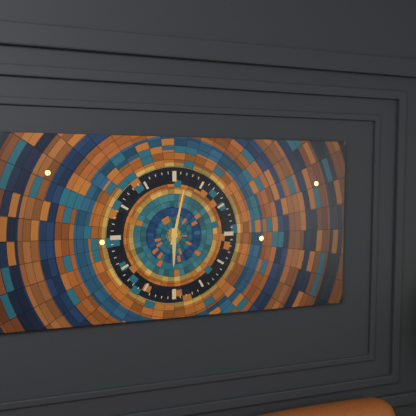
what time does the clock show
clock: 6:02
